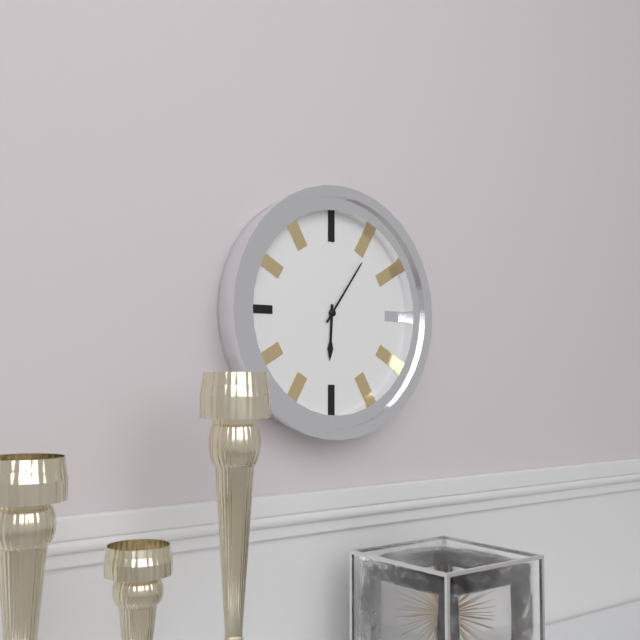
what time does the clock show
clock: 6:06
